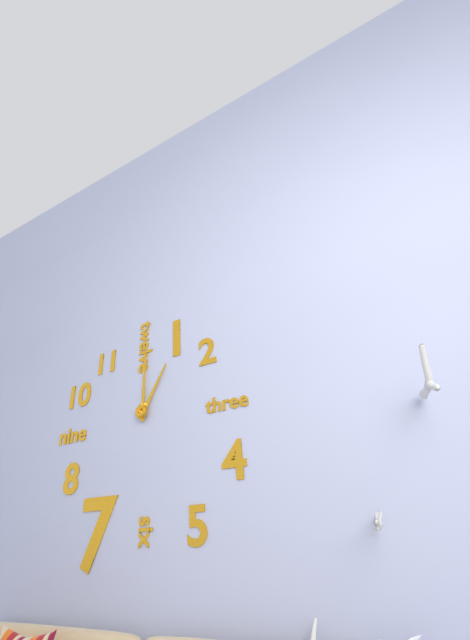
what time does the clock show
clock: 1:00
